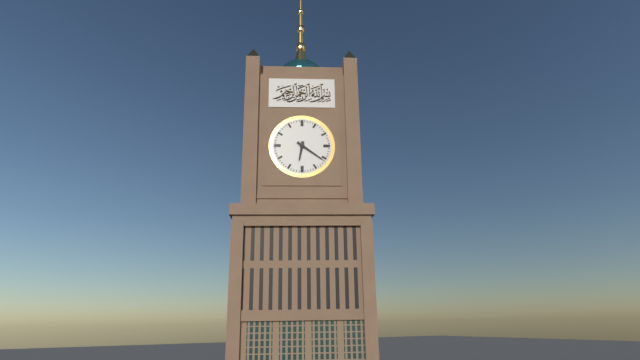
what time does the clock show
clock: 6:21
